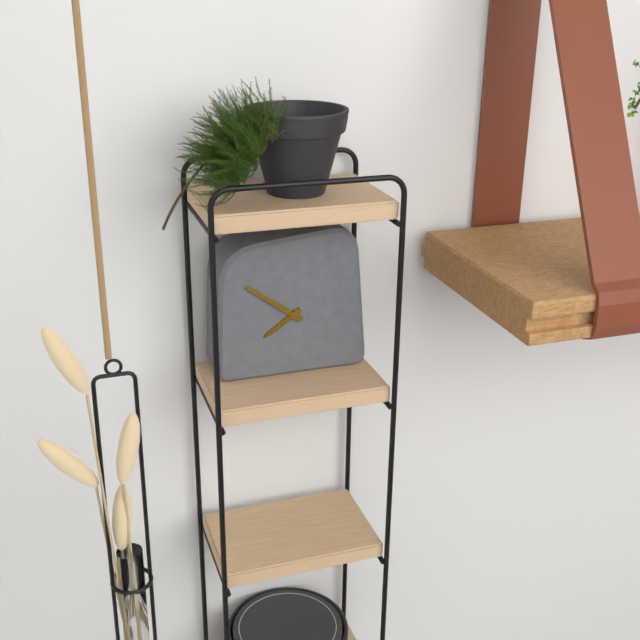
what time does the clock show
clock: 7:51
